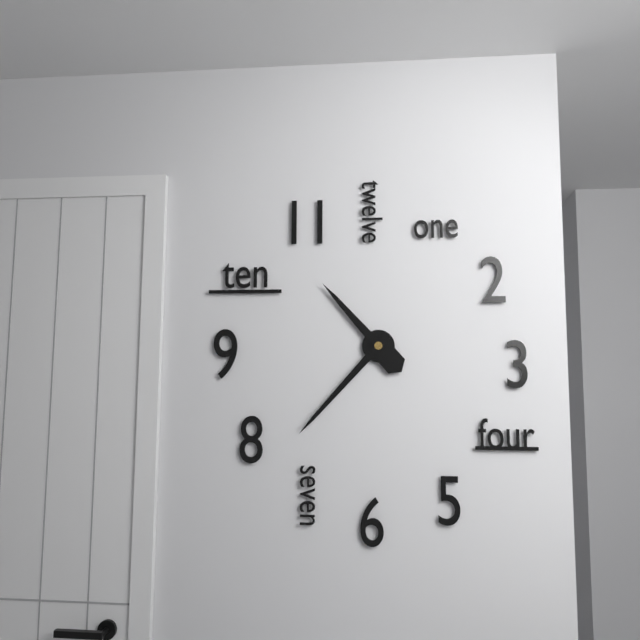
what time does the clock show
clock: 10:37
